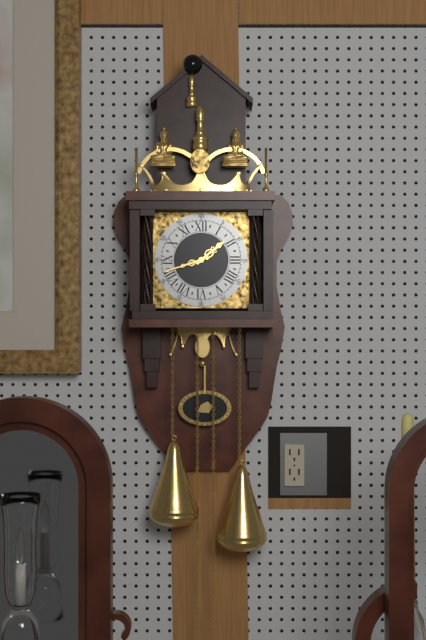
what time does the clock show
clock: 1:42
